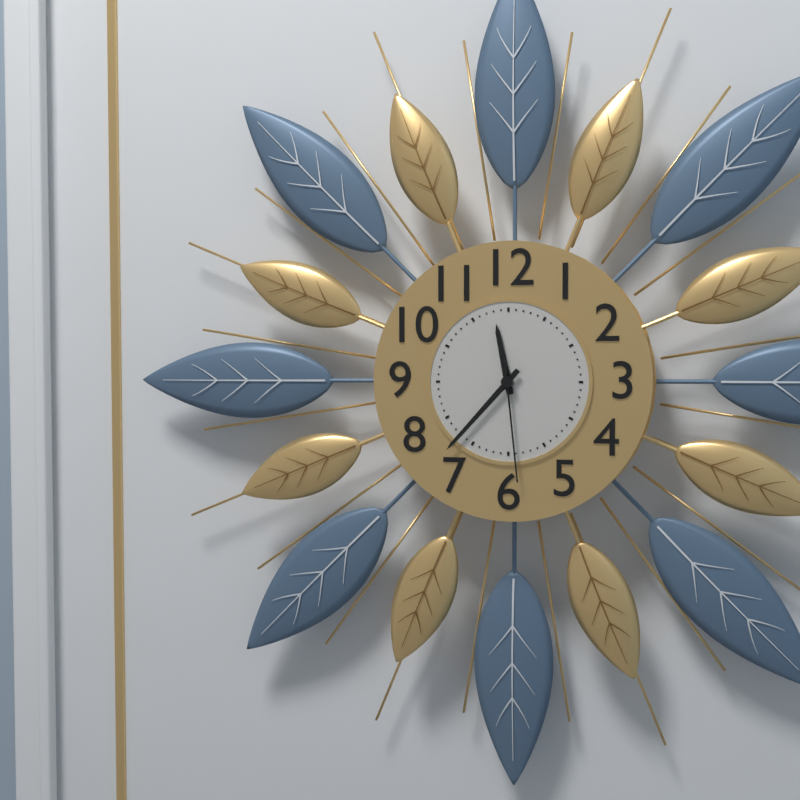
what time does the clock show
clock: 11:37:29
